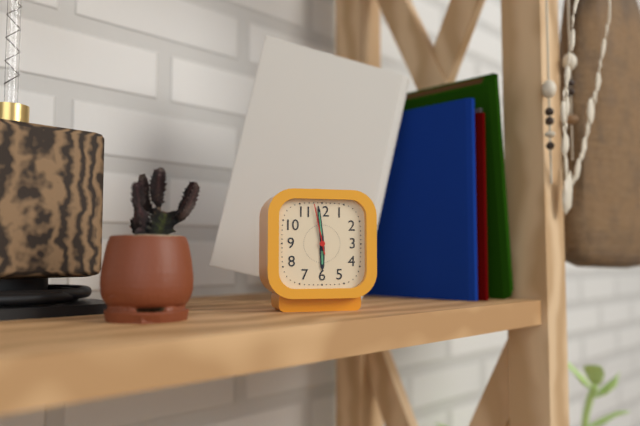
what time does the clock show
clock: 5:59
